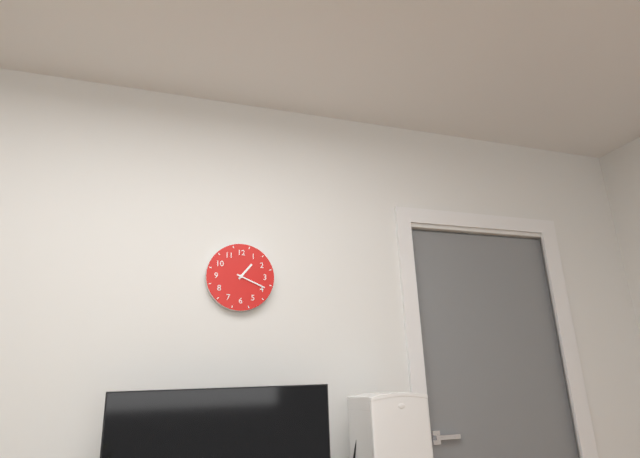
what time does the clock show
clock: 1:19
